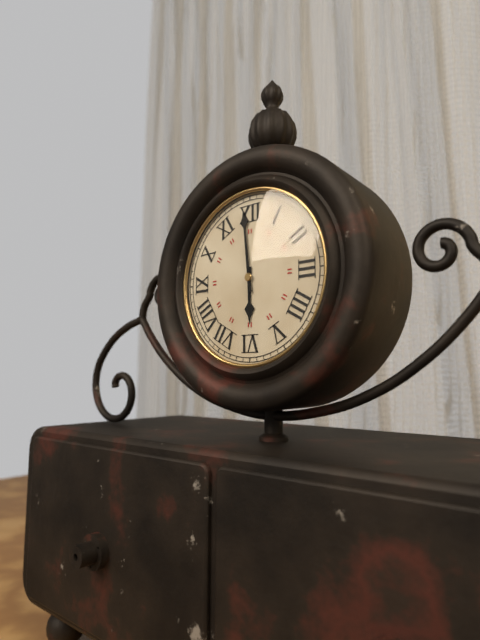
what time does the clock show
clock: 5:59
